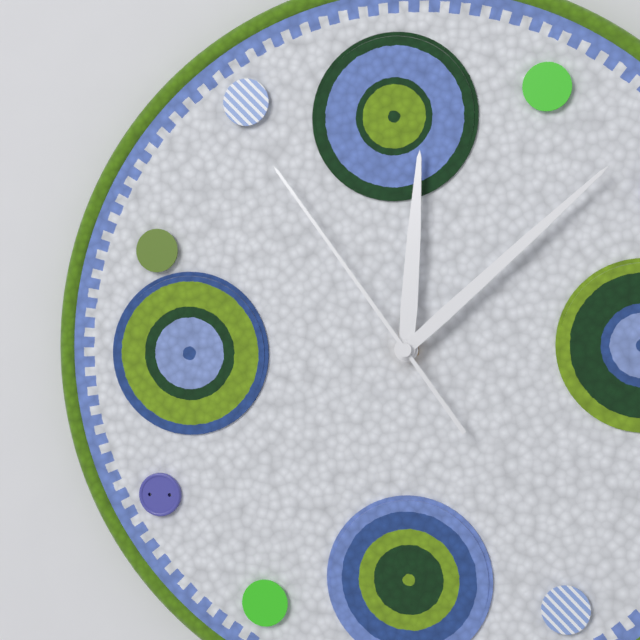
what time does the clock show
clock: 12:08:54
